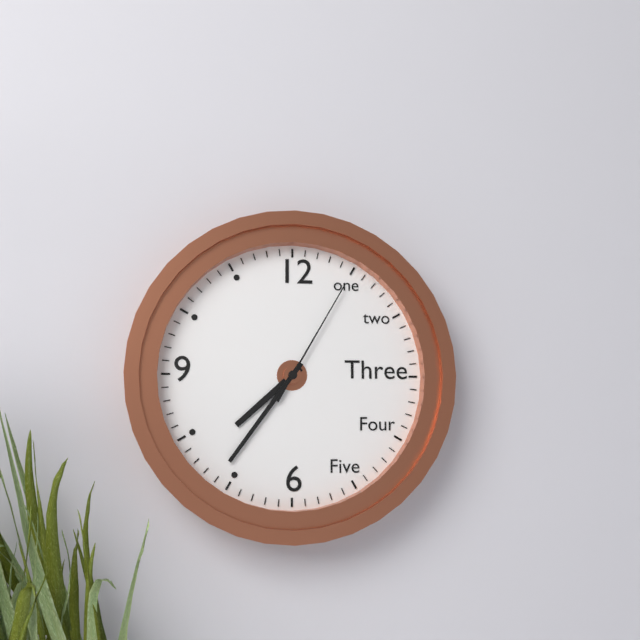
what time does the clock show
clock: 7:36:05
